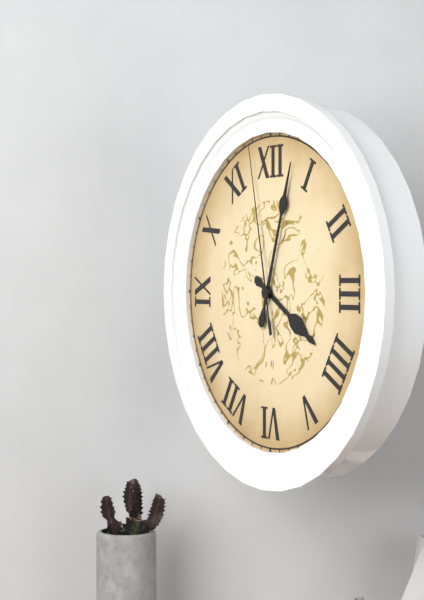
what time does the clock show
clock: 4:03:58
